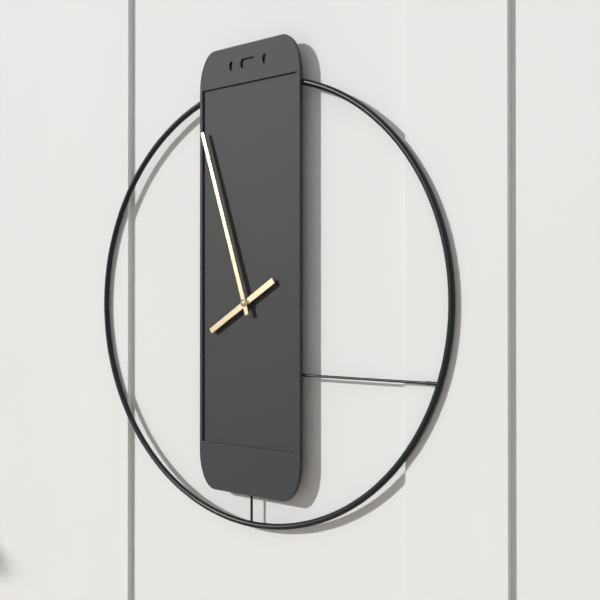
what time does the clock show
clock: 7:57
